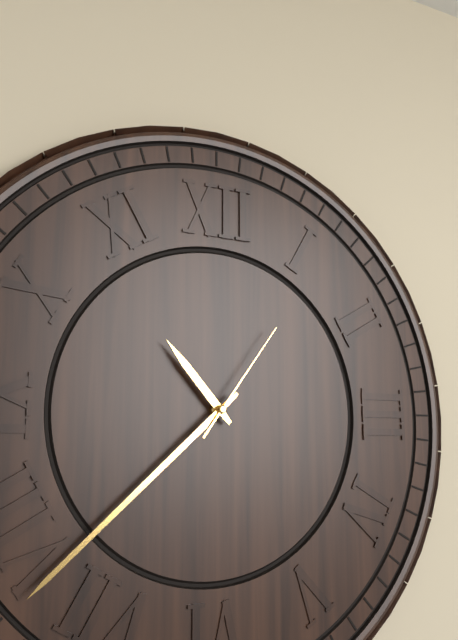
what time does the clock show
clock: 10:38:06
